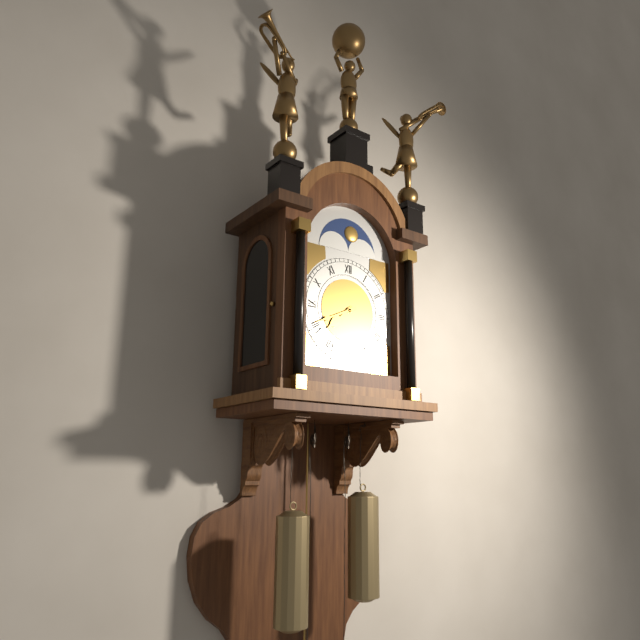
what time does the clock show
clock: 7:41
